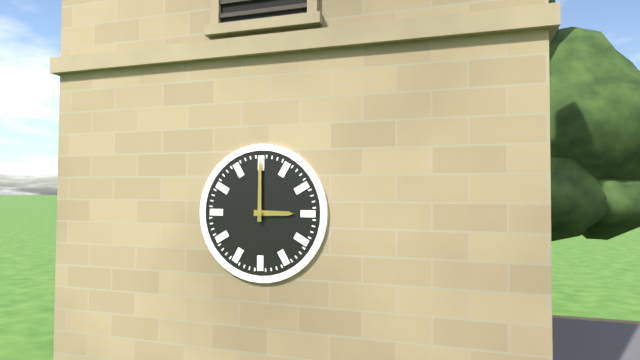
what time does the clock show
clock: 3:00
